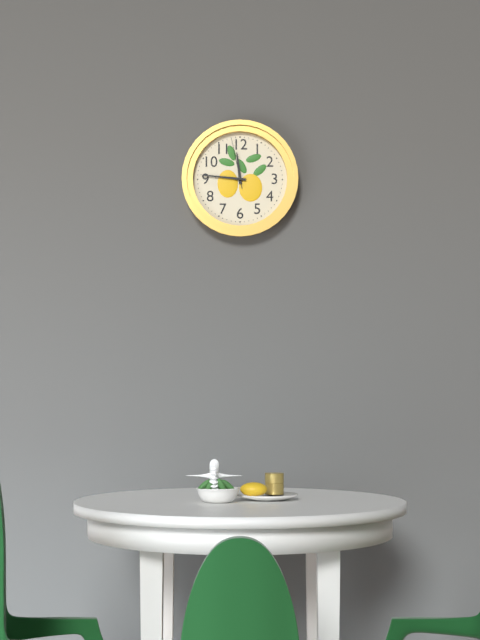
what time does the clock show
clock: 11:46:58
